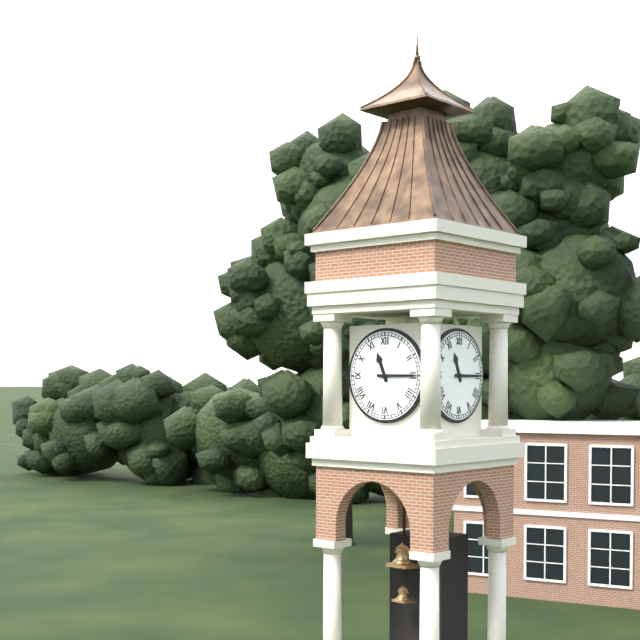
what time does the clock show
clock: 11:15
